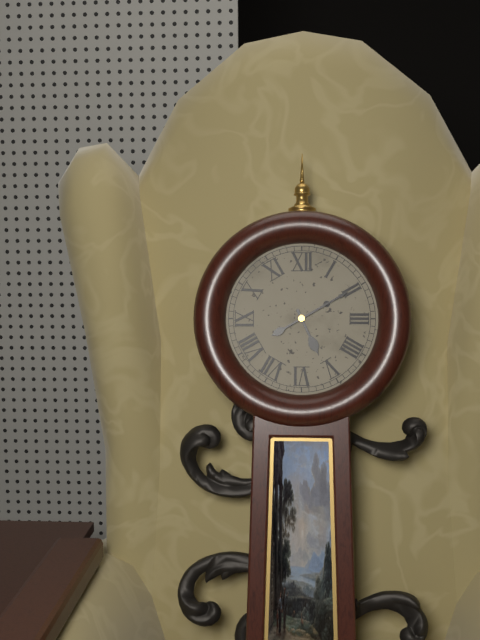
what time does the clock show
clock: 5:10
